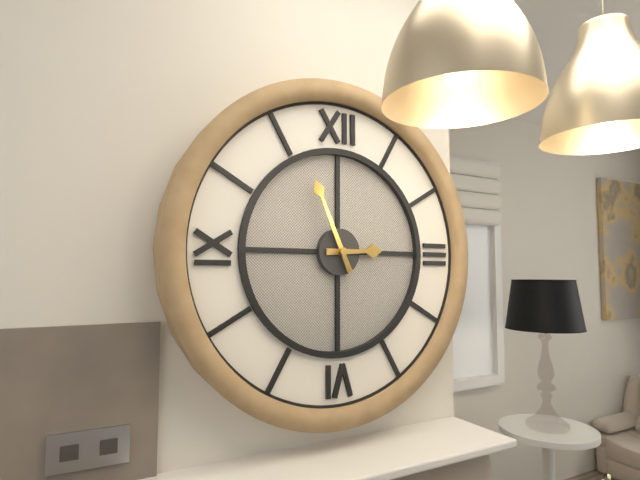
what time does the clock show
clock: 2:56
